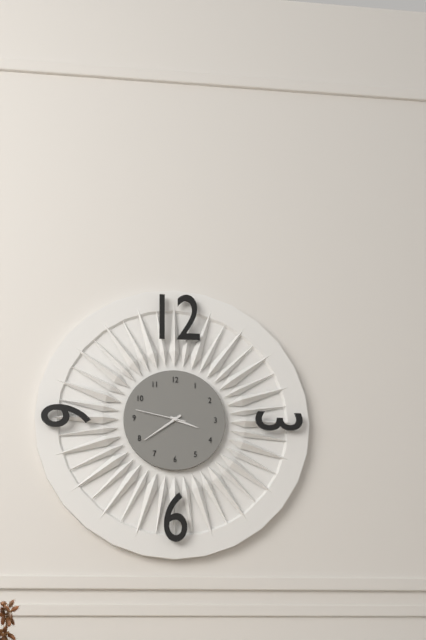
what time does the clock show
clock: 3:39:47
